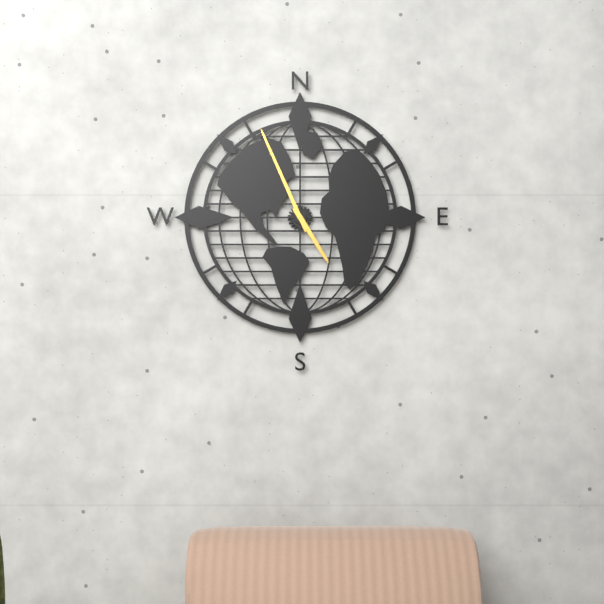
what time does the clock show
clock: 4:56
